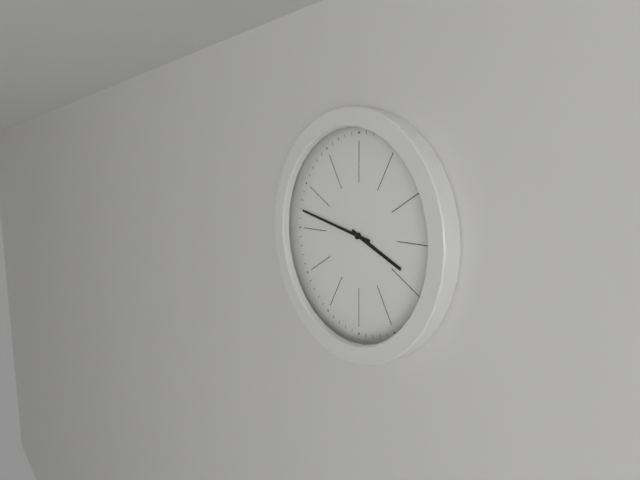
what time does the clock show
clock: 3:47
